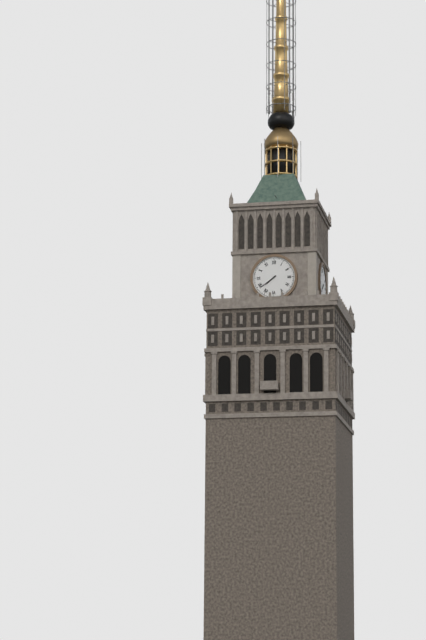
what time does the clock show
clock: 7:39
